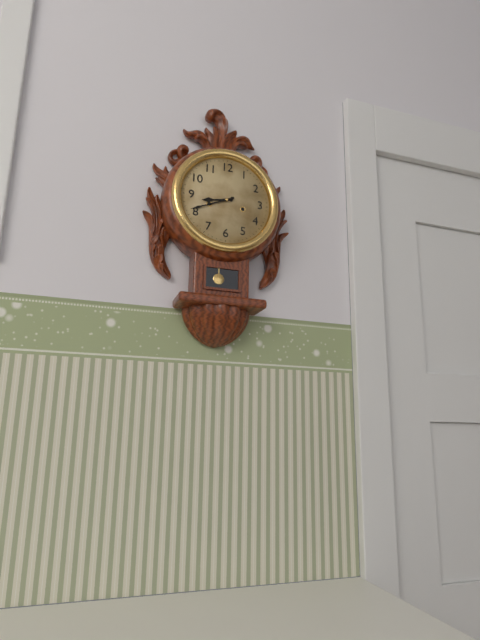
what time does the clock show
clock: 8:41
